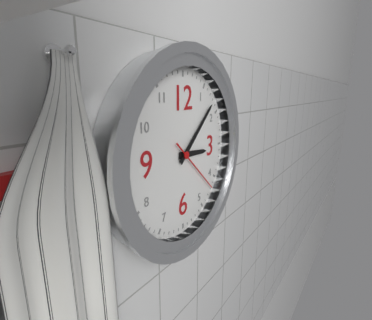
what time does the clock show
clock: 3:08:22
